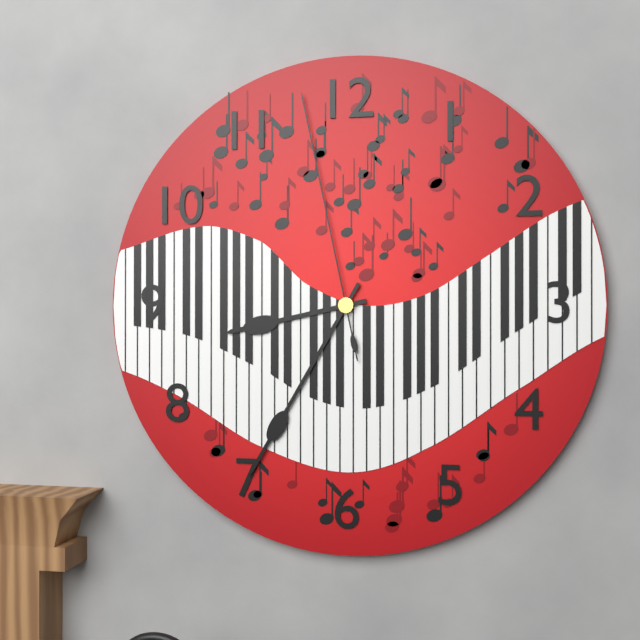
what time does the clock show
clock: 8:35:58
